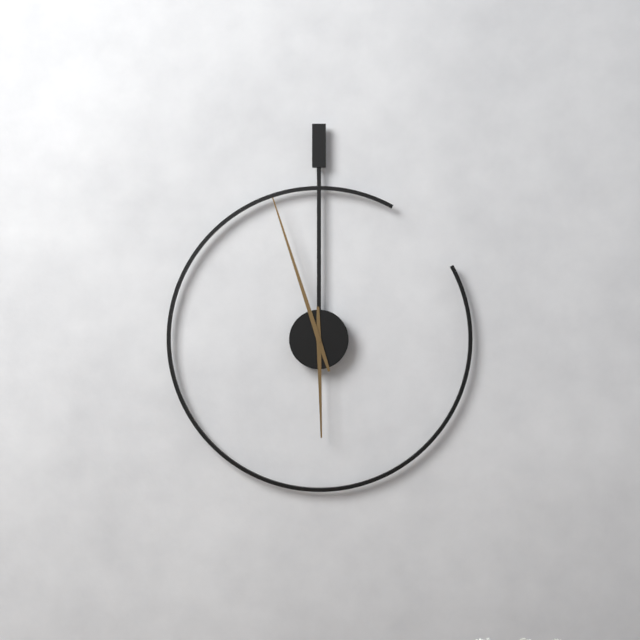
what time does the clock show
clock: 5:57
